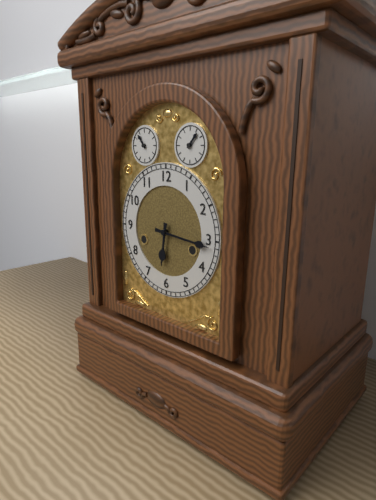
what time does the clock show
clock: 6:16
